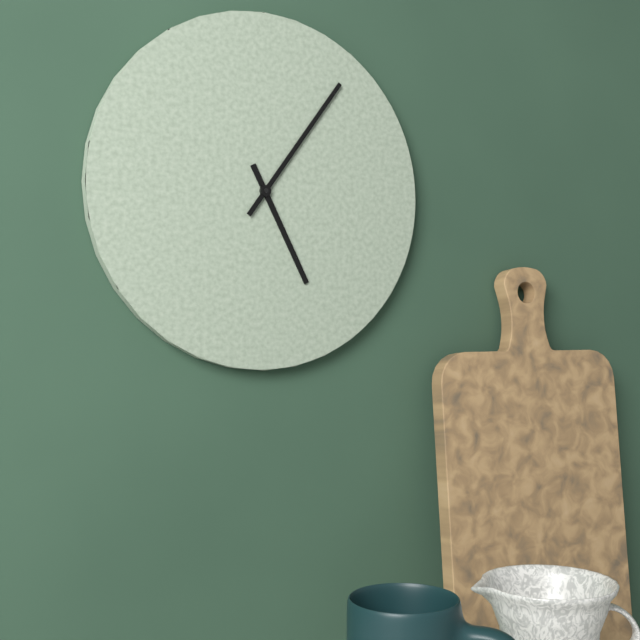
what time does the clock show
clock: 5:06
